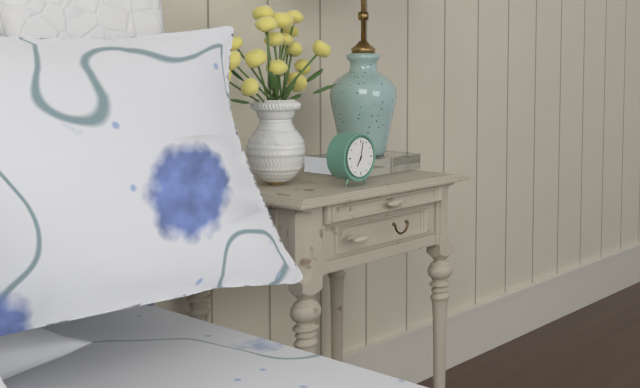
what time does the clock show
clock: 7:02
